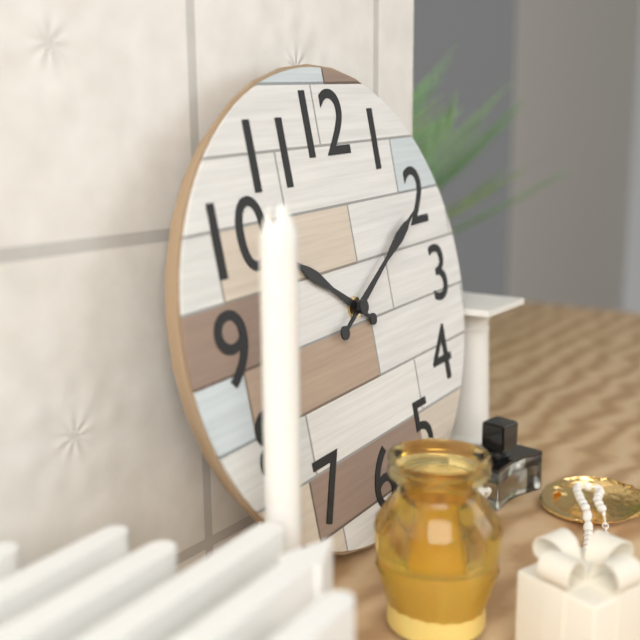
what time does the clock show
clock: 10:10
